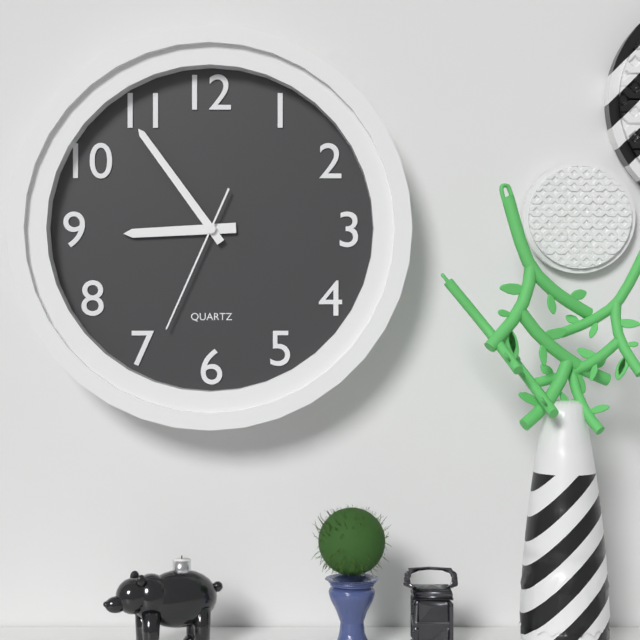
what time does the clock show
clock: 8:54:34
